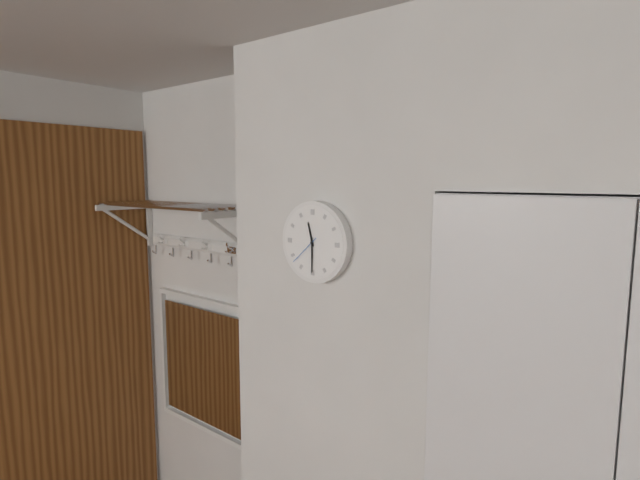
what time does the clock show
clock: 11:30
